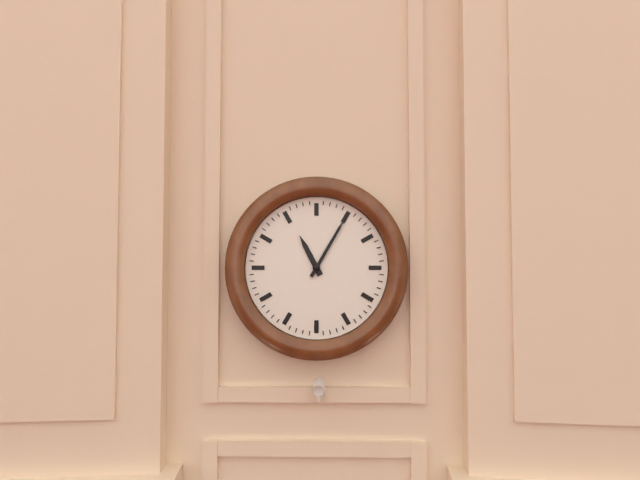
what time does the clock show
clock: 11:05
